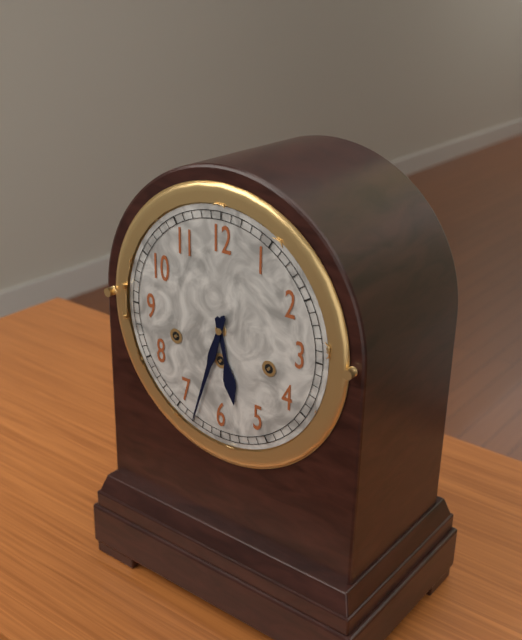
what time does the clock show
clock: 5:33
